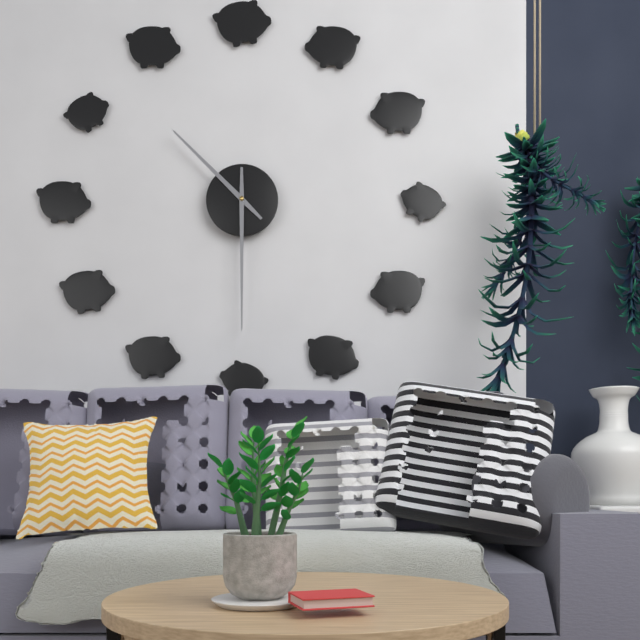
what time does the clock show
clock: 10:30
